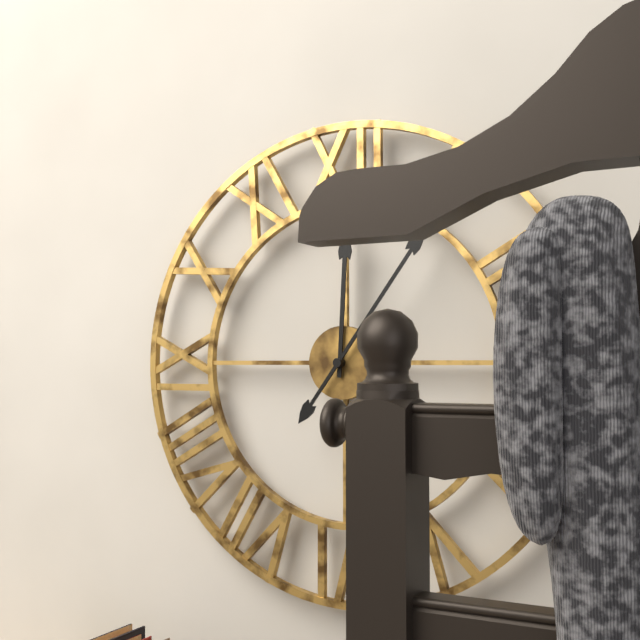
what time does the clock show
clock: 12:06
